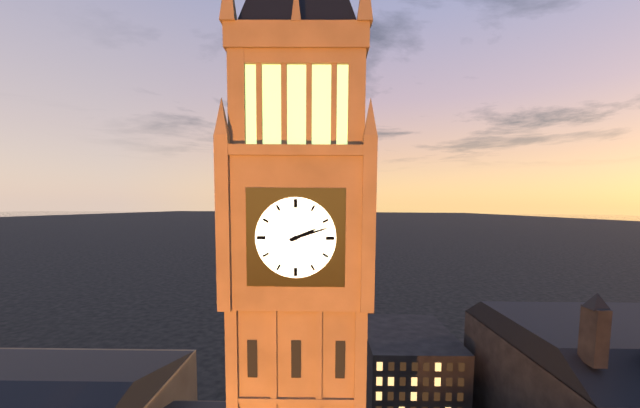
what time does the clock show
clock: 2:12
